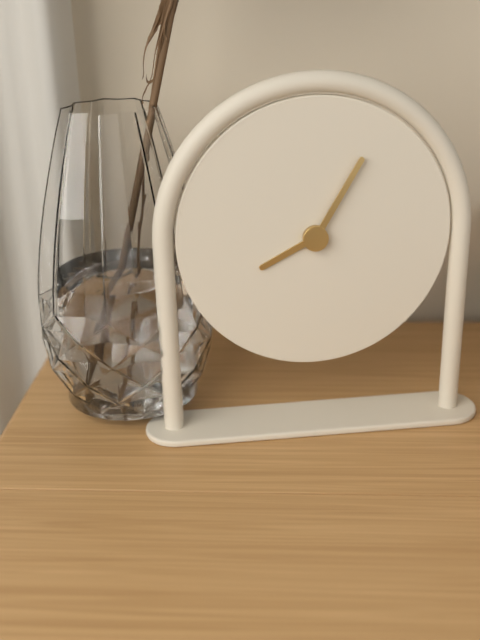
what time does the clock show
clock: 8:05
